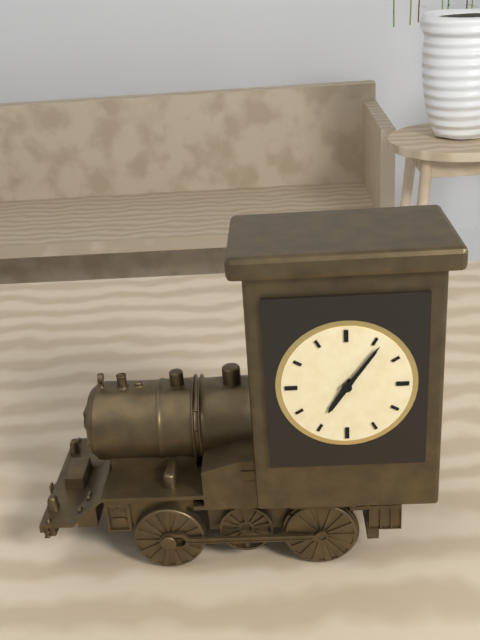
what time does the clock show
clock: 7:06
